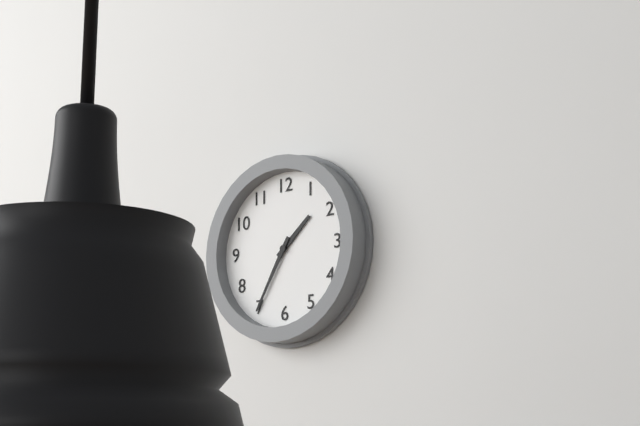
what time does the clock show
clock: 1:35
